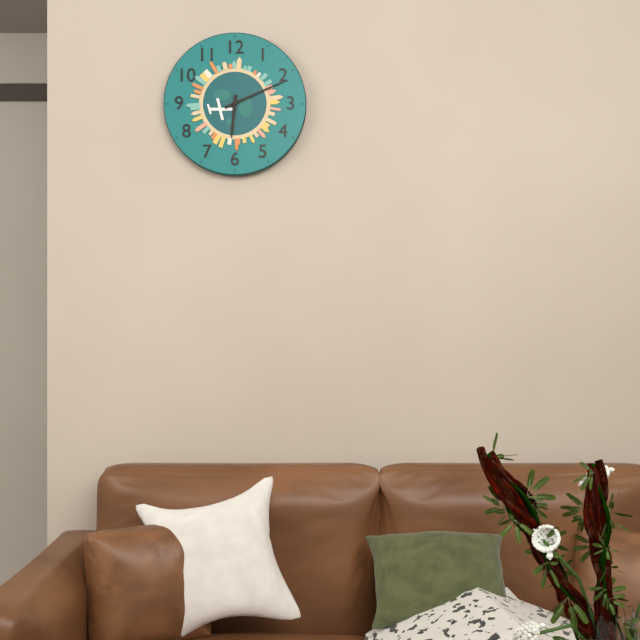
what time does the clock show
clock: 6:11
